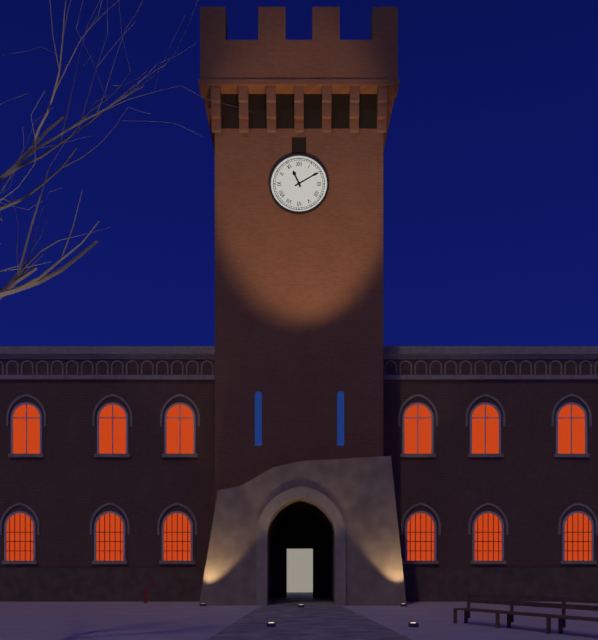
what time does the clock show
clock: 11:10
